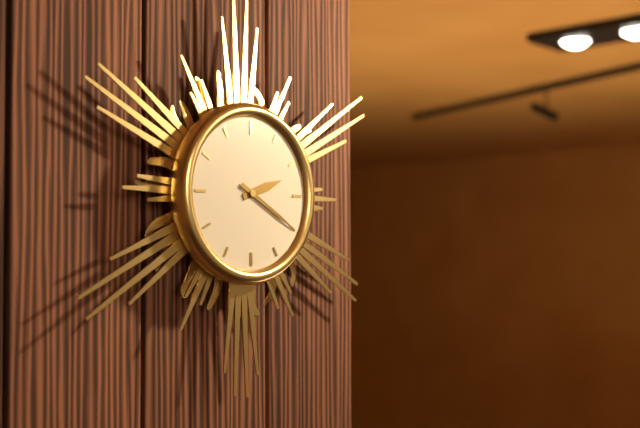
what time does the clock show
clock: 2:20
